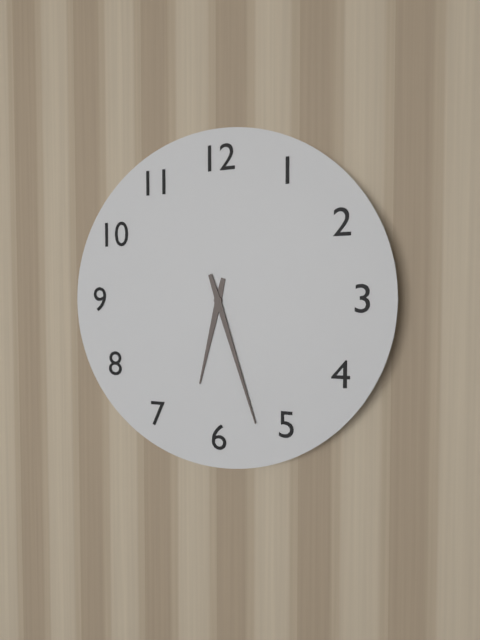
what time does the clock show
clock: 6:27
